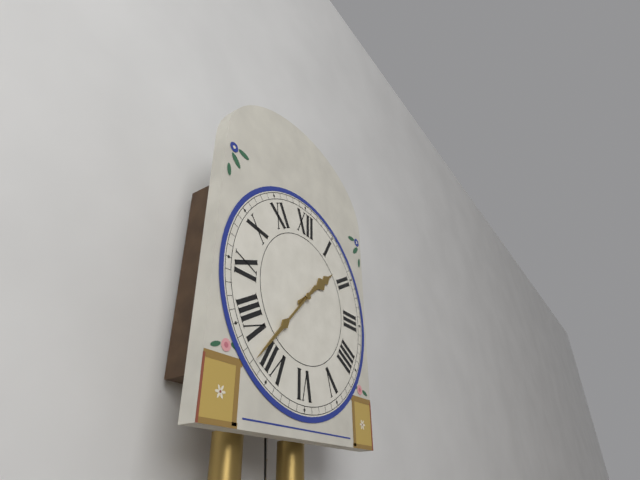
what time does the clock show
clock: 1:37
